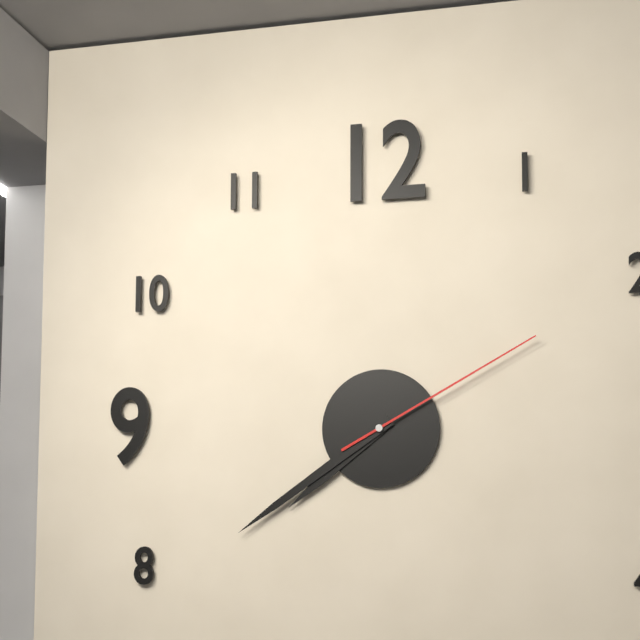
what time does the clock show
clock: 7:39:10
